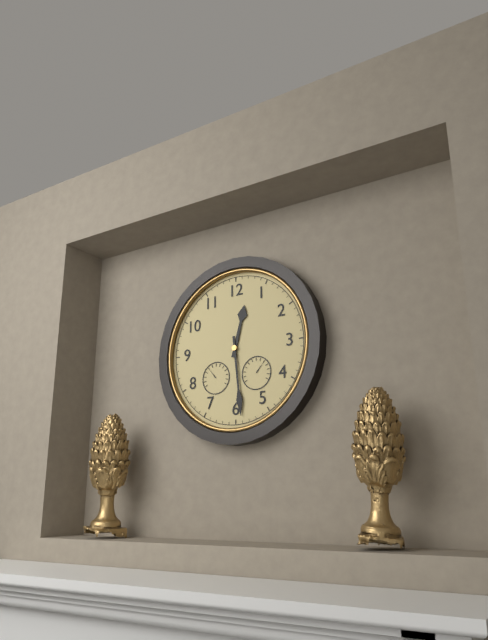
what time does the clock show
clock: 12:29
